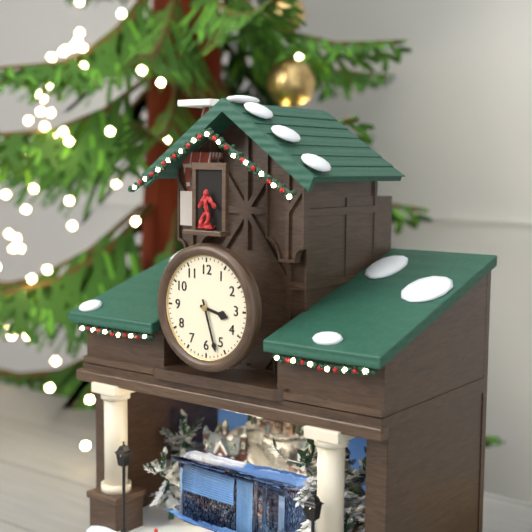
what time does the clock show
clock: 3:27
